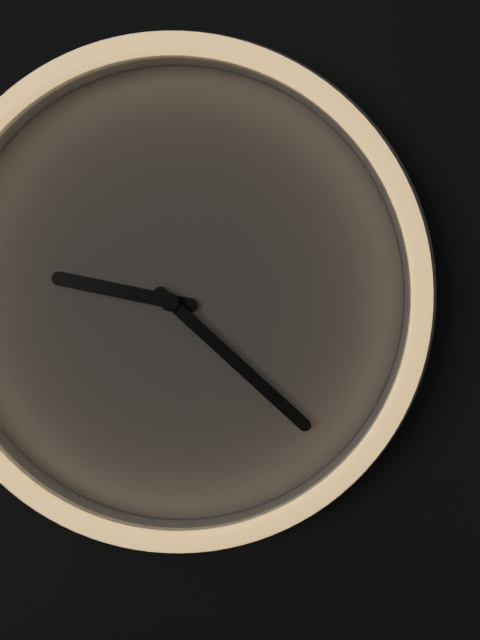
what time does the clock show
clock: 9:22
